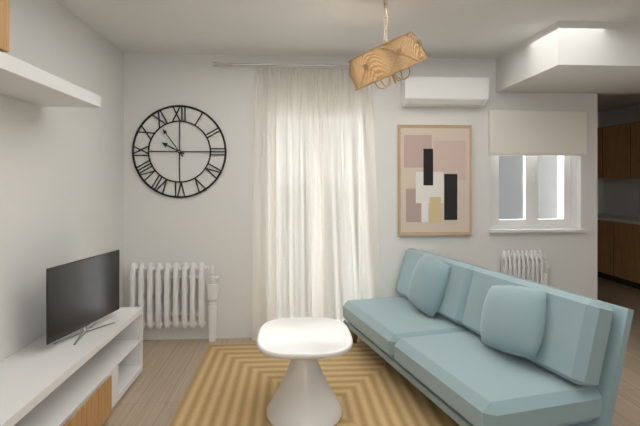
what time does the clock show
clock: 9:54
